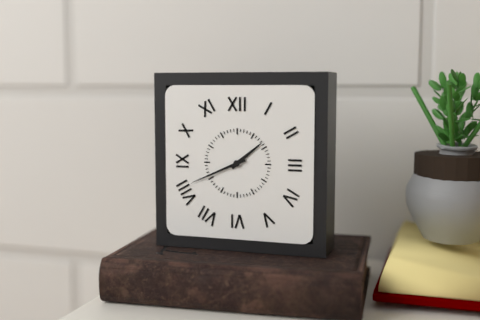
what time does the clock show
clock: 1:41
